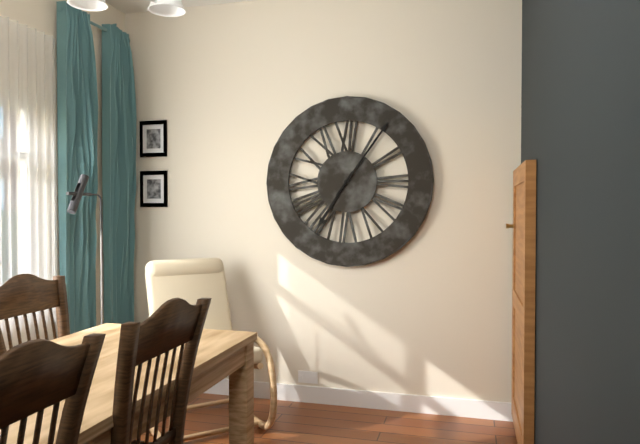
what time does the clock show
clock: 7:06
